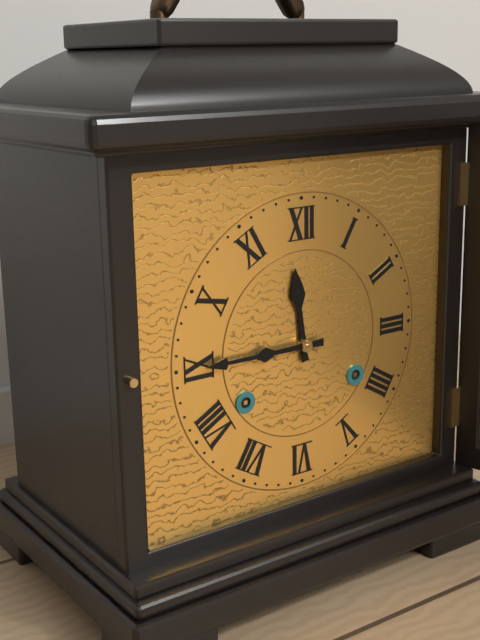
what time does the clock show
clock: 11:45
